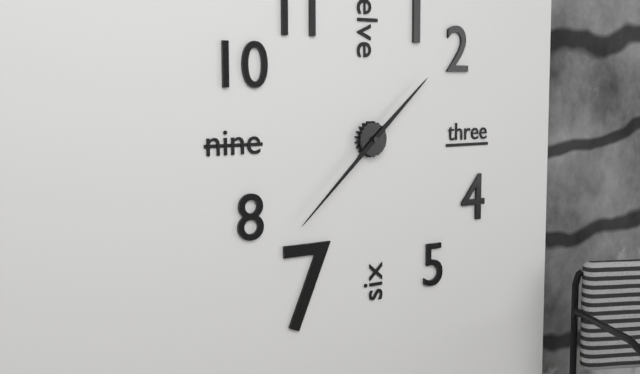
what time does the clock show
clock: 1:38
